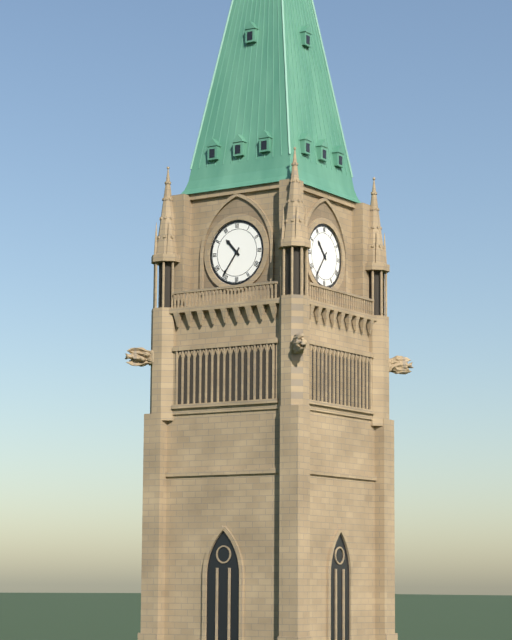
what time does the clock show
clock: 10:36
